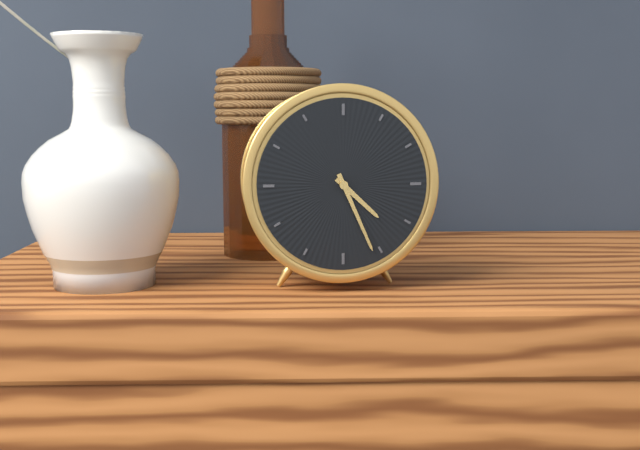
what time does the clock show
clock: 4:26
